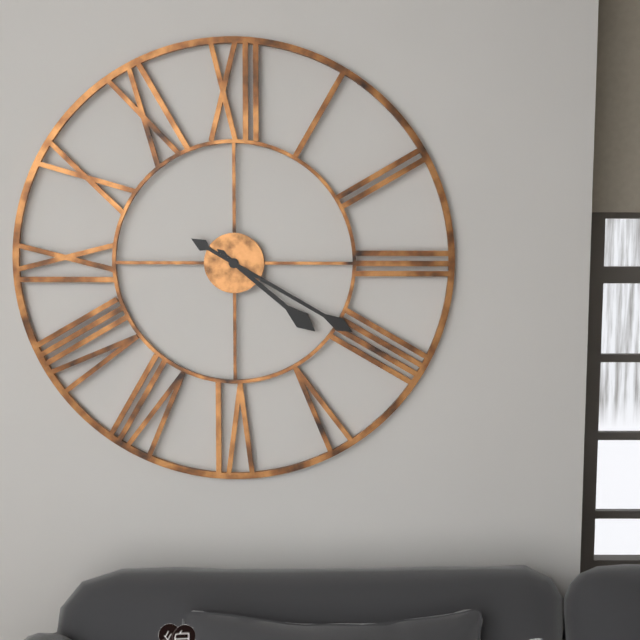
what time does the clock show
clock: 4:20
